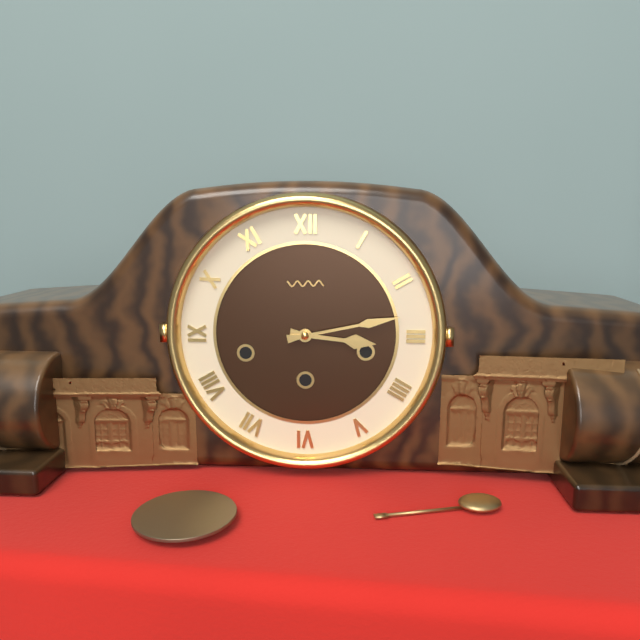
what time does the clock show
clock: 3:13
